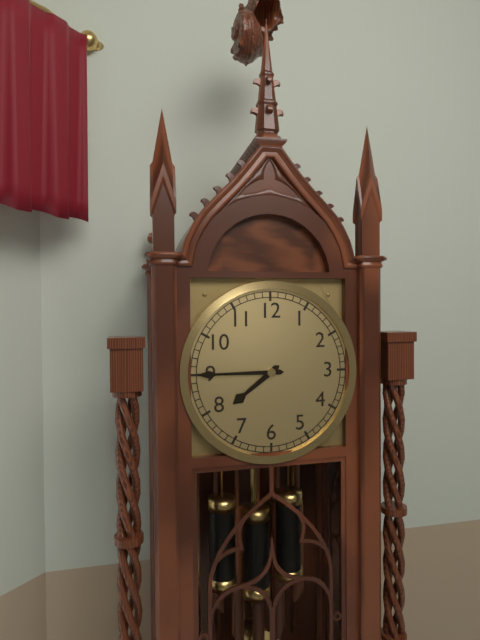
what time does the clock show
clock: 7:45
